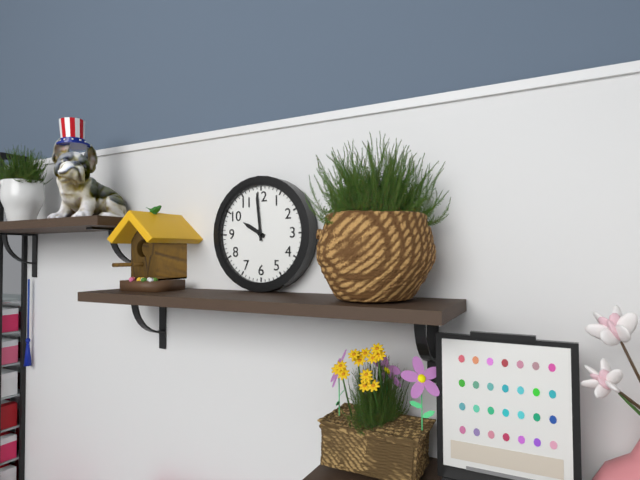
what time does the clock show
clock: 9:59
